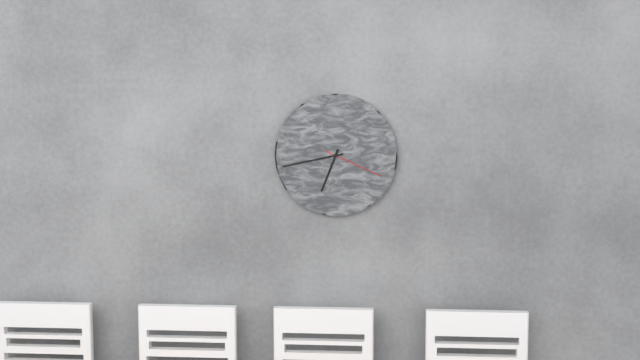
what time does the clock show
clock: 6:43:19
